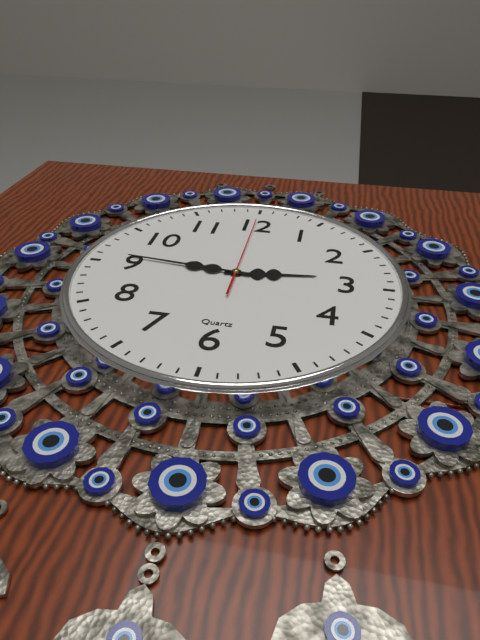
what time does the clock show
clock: 2:46:00
